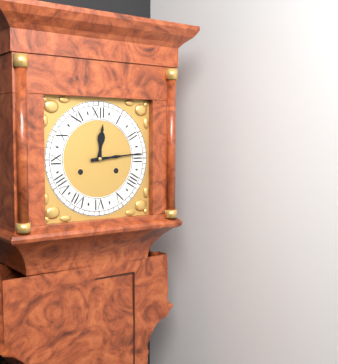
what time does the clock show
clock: 12:14
